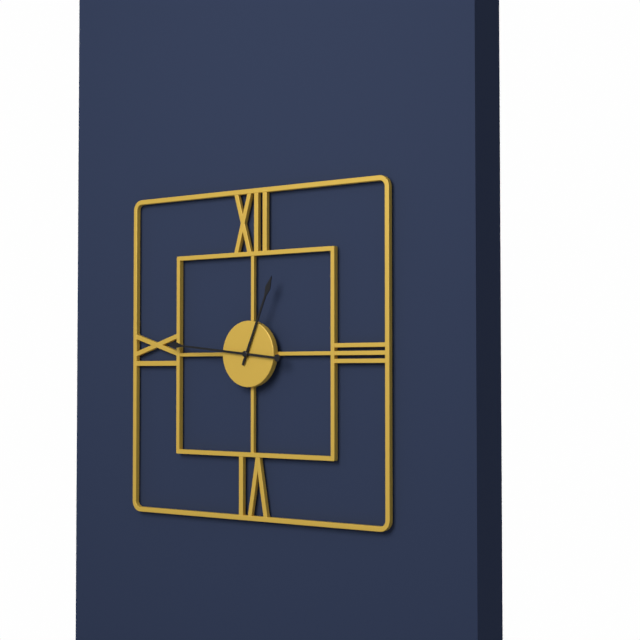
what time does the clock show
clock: 12:46
